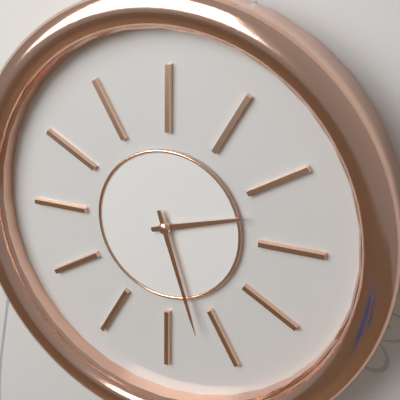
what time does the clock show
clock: 2:27
